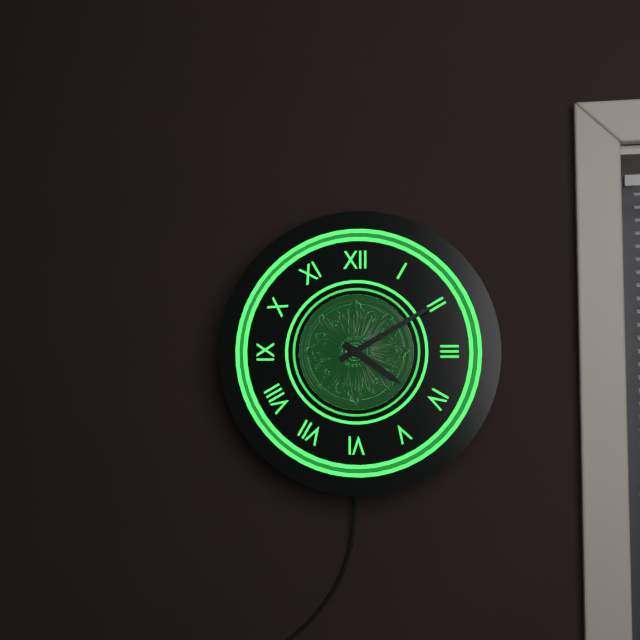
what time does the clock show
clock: 4:10
